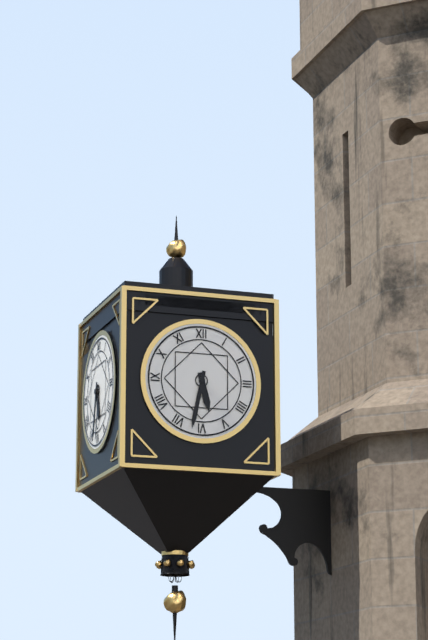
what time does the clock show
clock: 5:32
